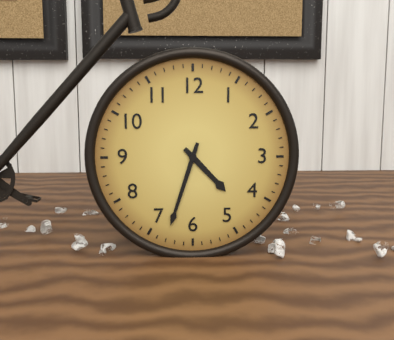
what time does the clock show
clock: 4:33
